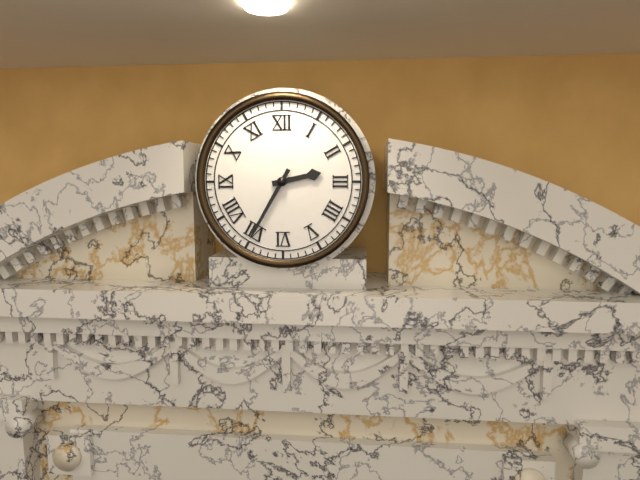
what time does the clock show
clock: 2:35
